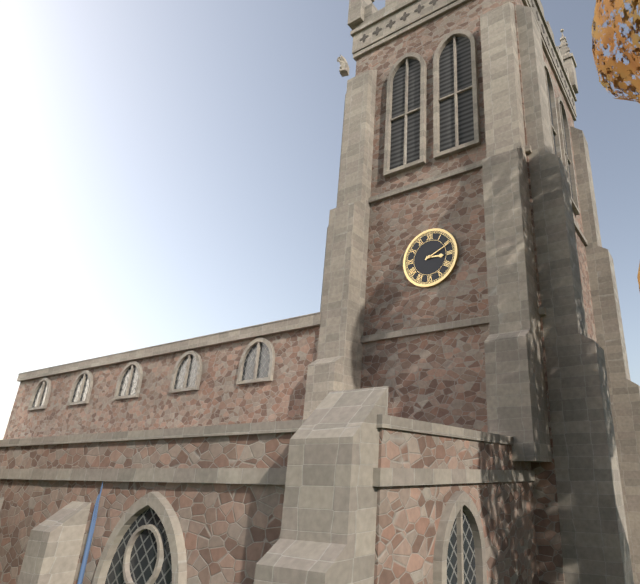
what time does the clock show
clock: 3:11
